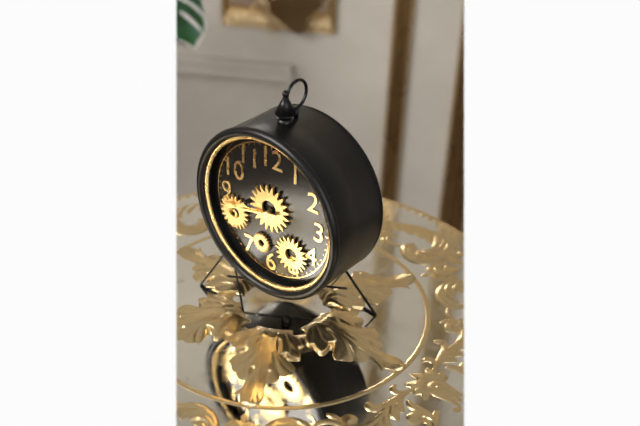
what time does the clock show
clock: 8:43
